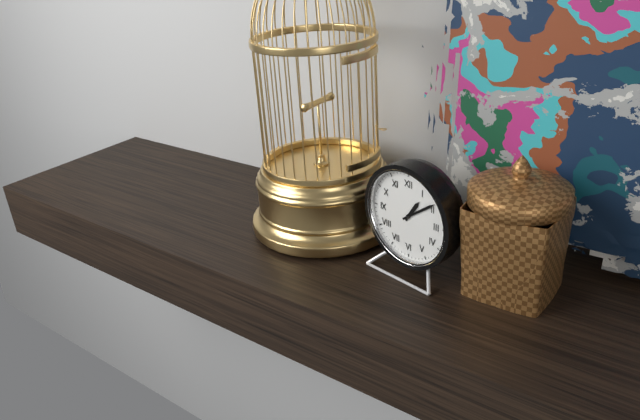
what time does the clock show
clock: 1:09
